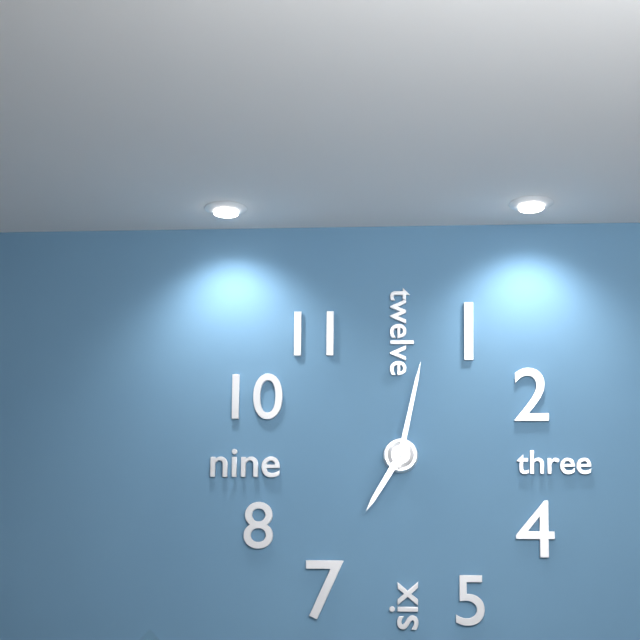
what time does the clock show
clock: 7:02
